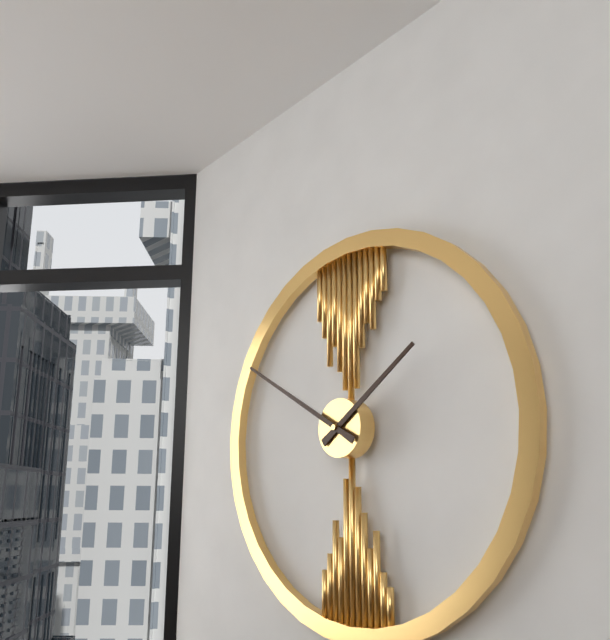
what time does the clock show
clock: 1:50
